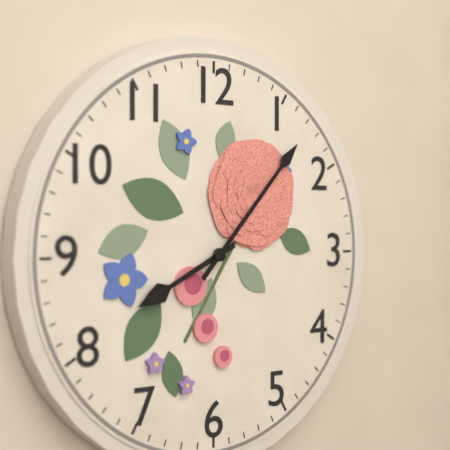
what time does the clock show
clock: 8:07
